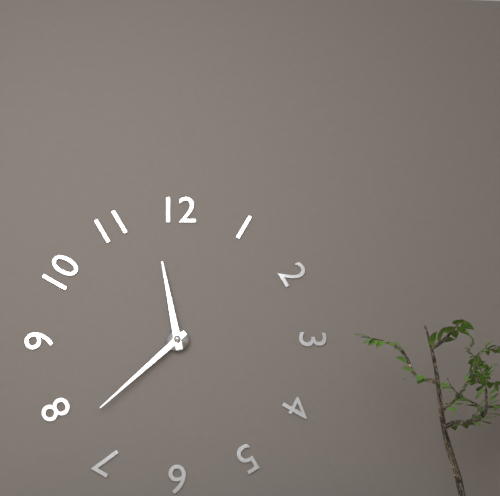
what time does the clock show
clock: 11:38
